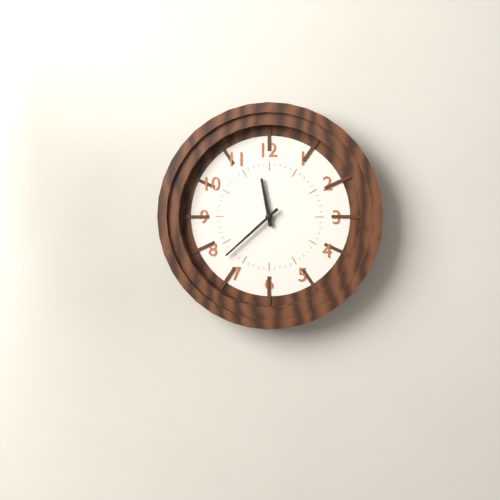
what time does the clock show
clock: 11:38
